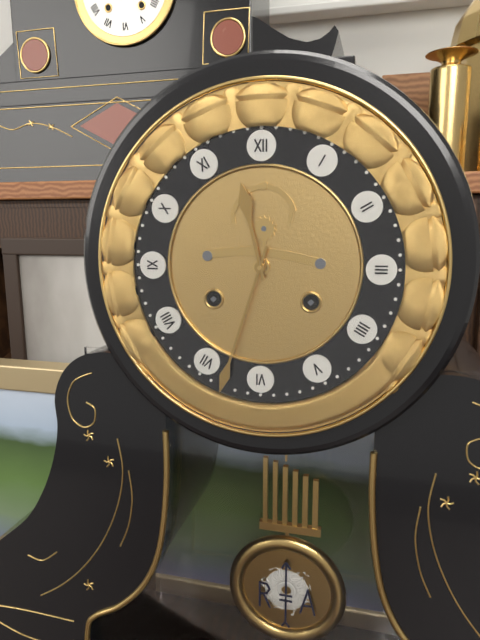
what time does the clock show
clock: 11:33
